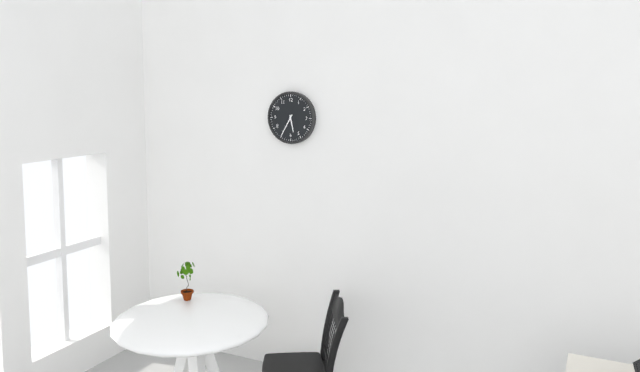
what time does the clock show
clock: 5:35
